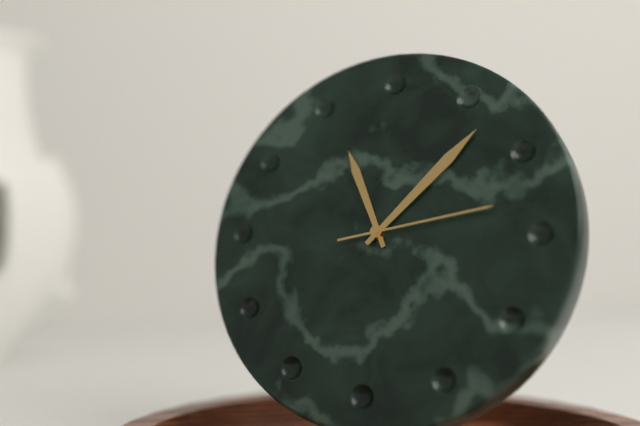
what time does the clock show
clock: 11:07:13
